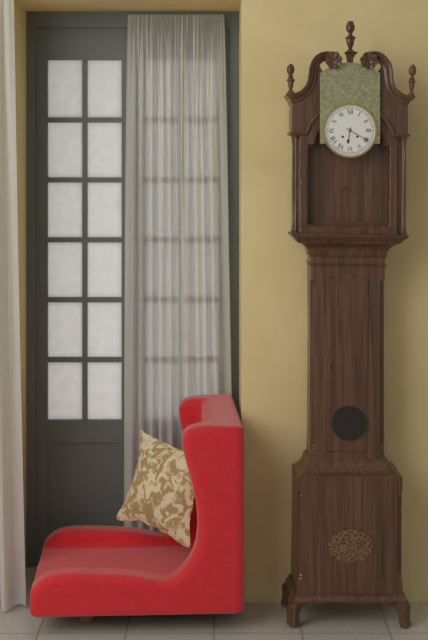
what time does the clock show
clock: 6:20
